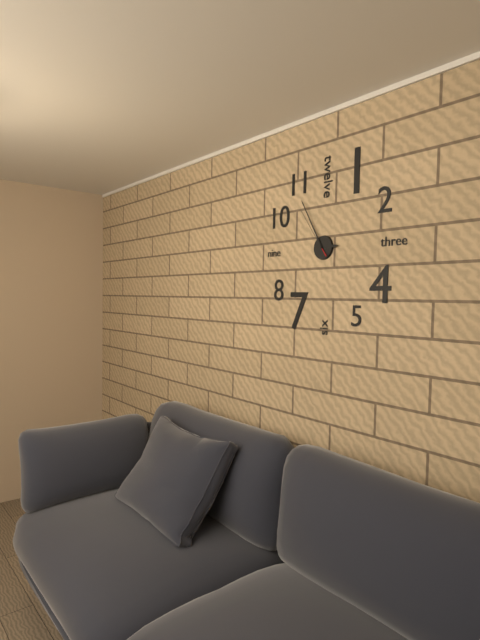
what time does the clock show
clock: 2:55:54
